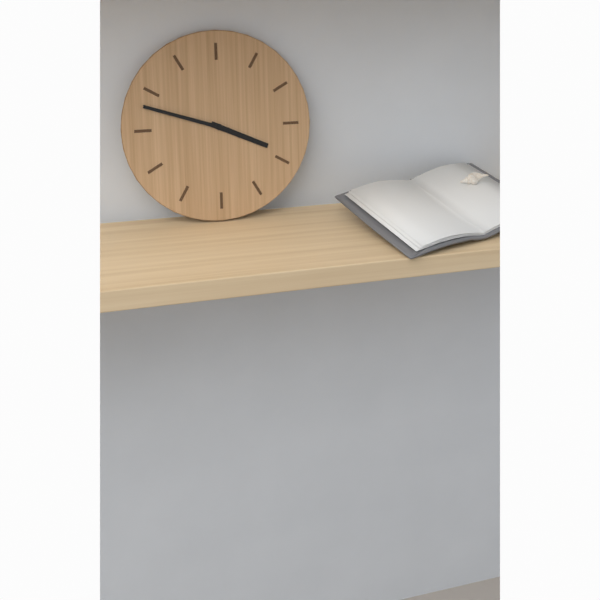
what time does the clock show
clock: 3:48
